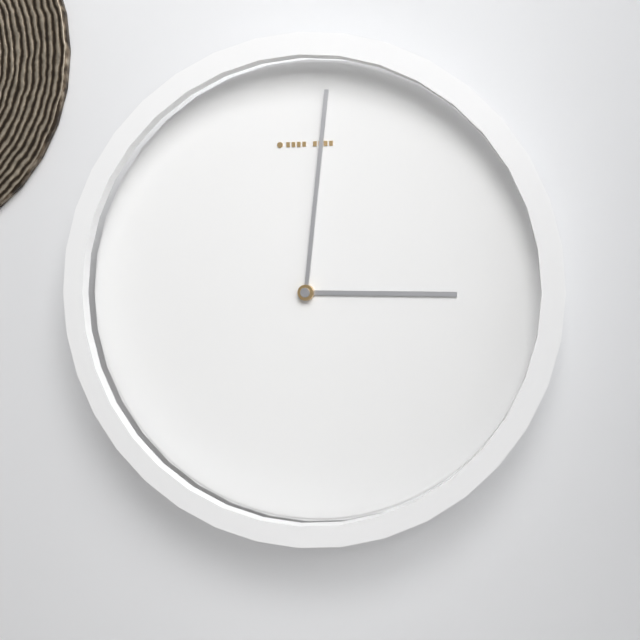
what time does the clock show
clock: 3:01
